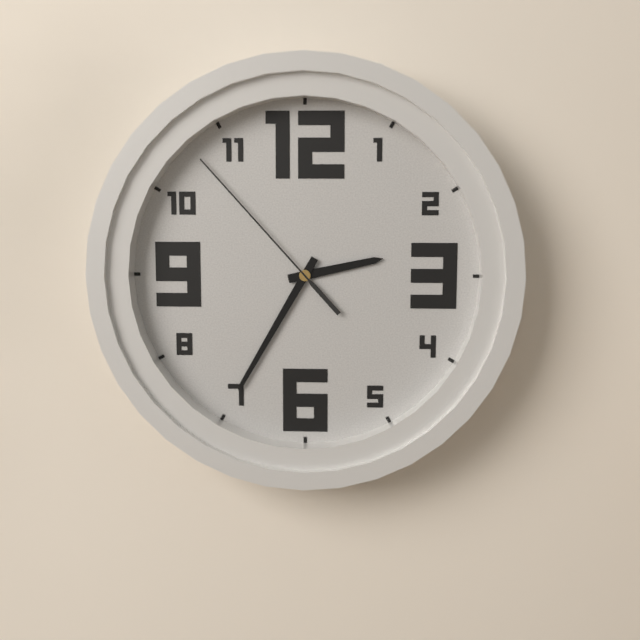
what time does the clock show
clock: 2:35:53
